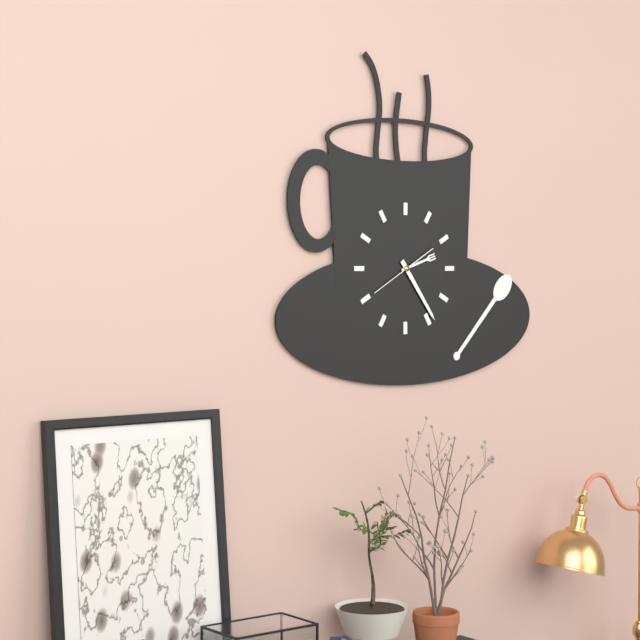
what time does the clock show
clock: 2:24
